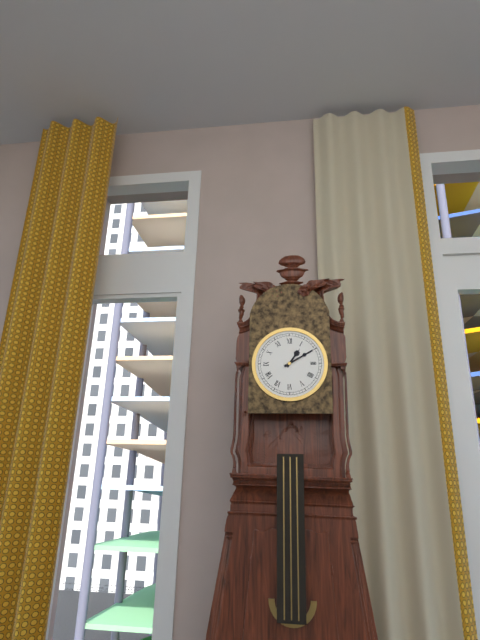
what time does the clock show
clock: 1:10
